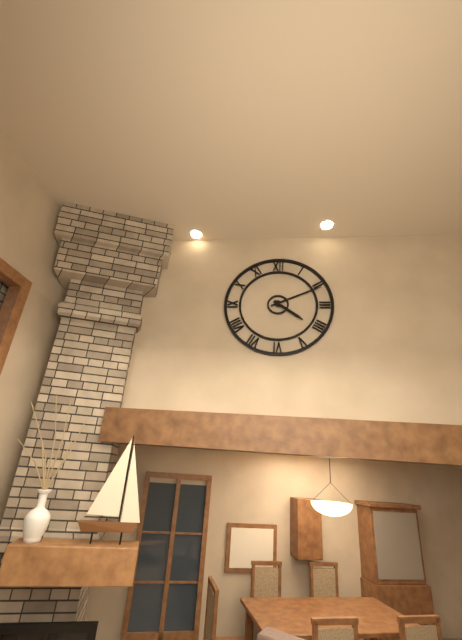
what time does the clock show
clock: 4:11
